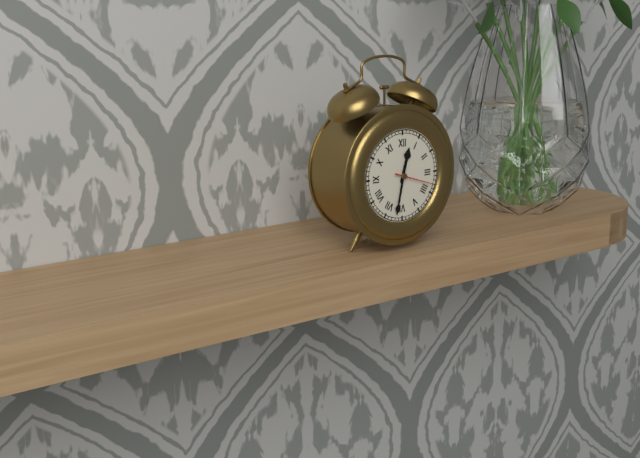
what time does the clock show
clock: 12:32
